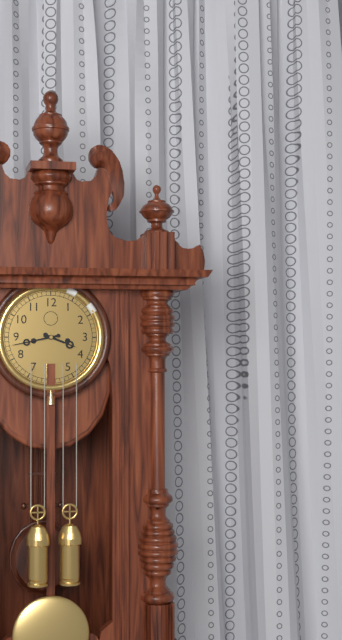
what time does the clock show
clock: 3:43
